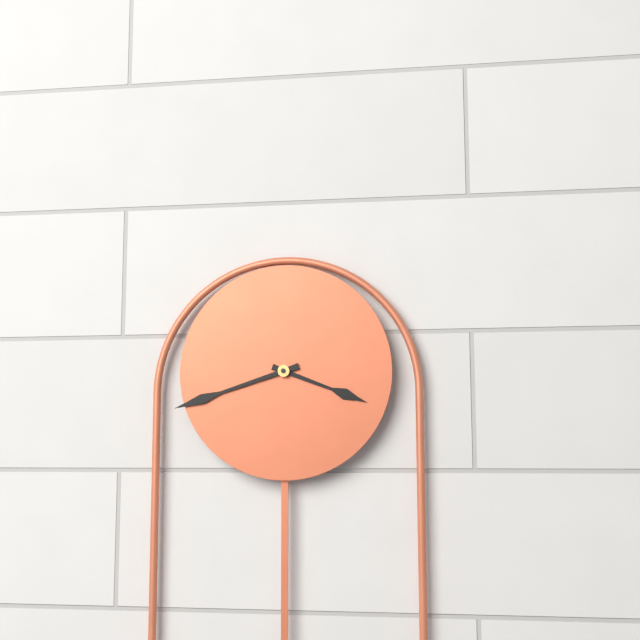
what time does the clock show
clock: 3:42
